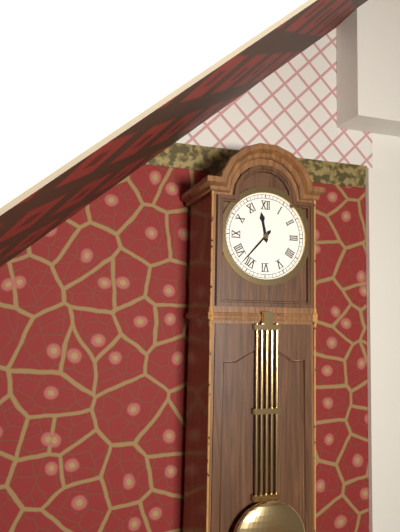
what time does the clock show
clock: 11:37
